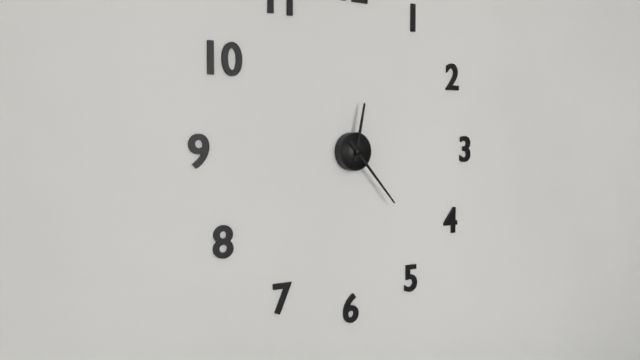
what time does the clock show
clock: 12:23
